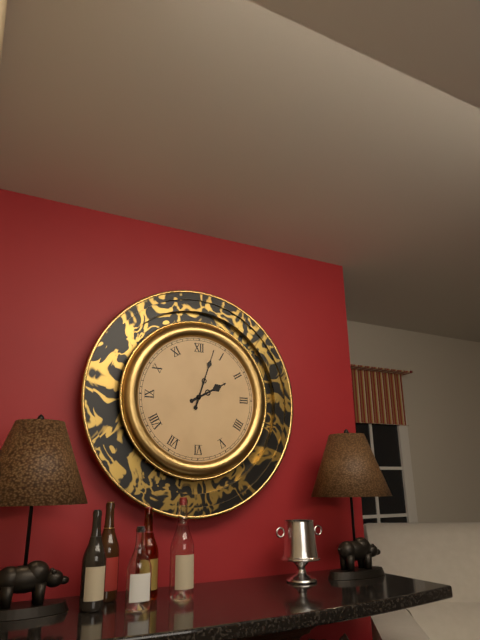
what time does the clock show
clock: 2:03
